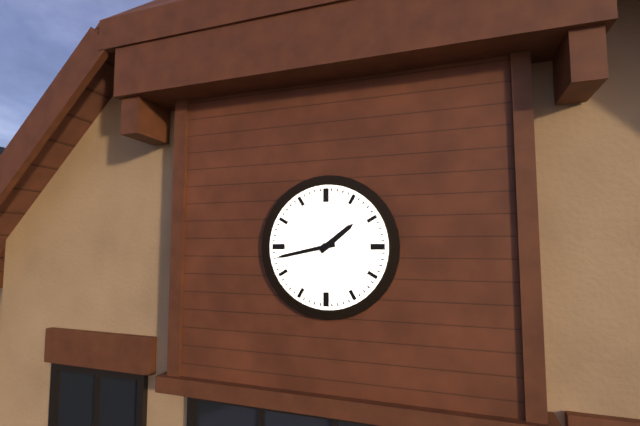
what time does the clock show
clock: 1:43
